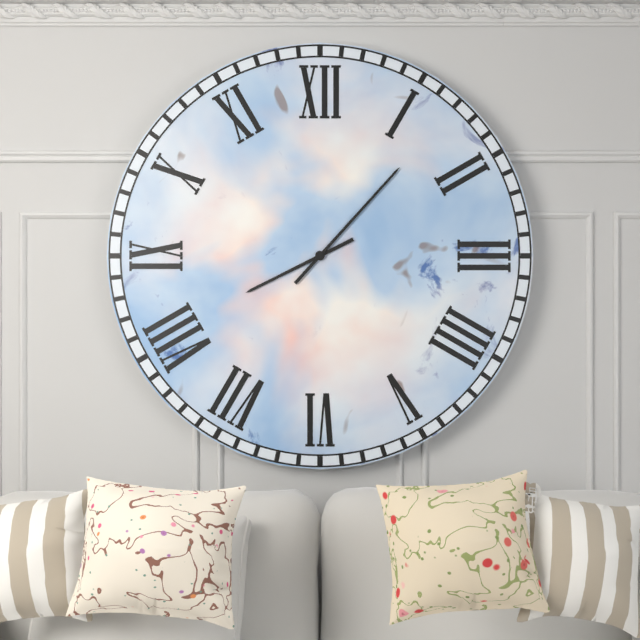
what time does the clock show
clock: 8:07
